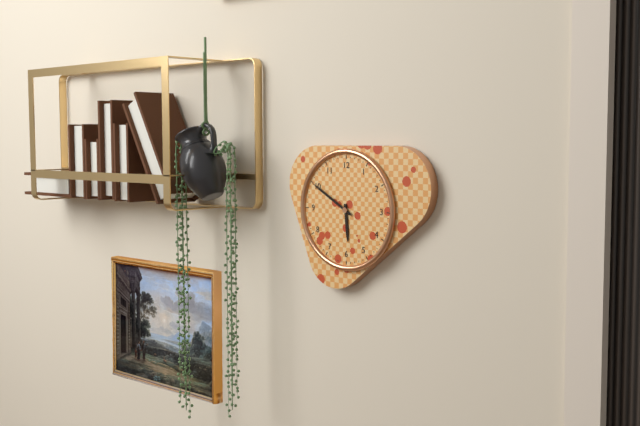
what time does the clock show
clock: 5:50
